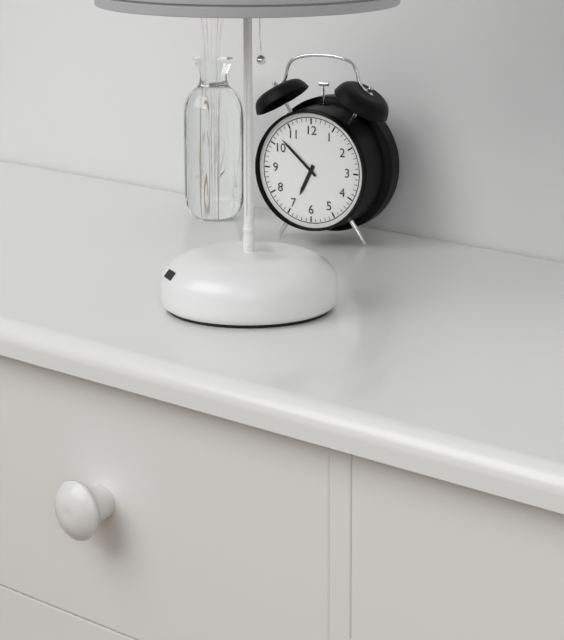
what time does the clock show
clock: 6:52
